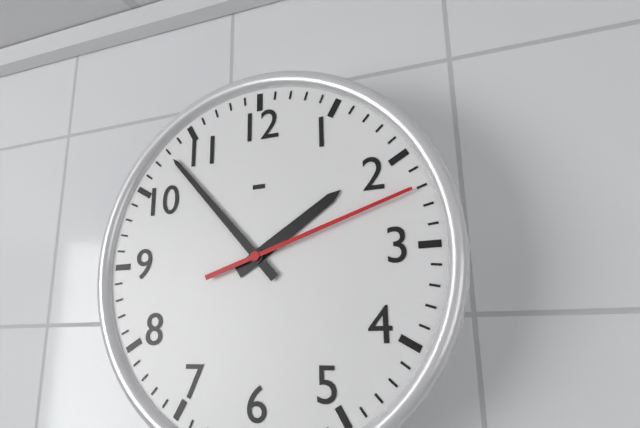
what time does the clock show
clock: 1:53:12
